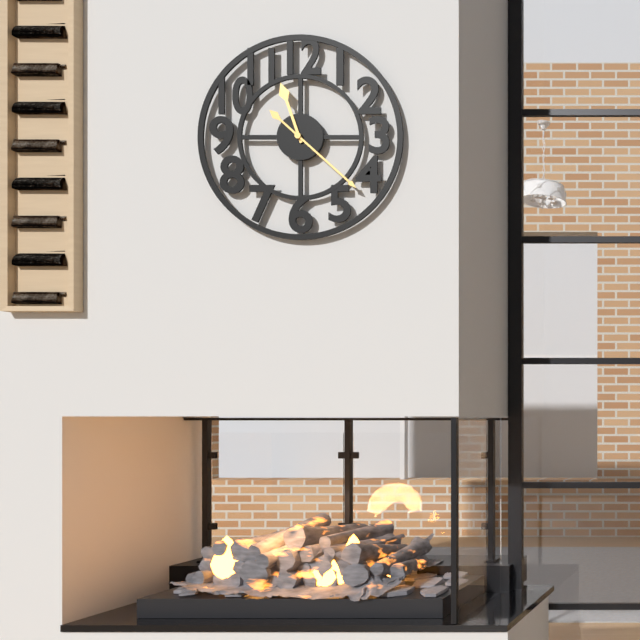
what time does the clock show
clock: 11:22
